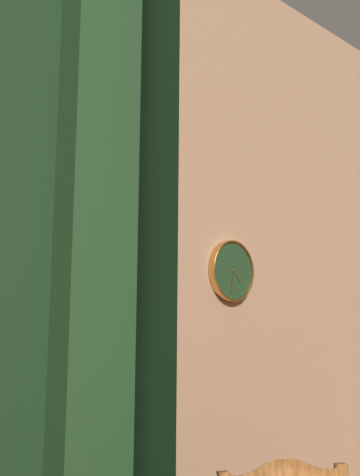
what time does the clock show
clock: 4:32
